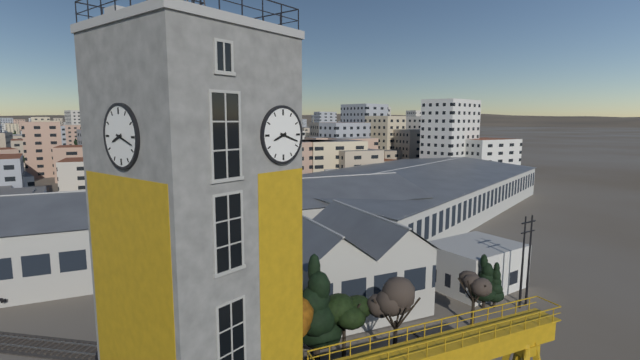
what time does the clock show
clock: 8:18
